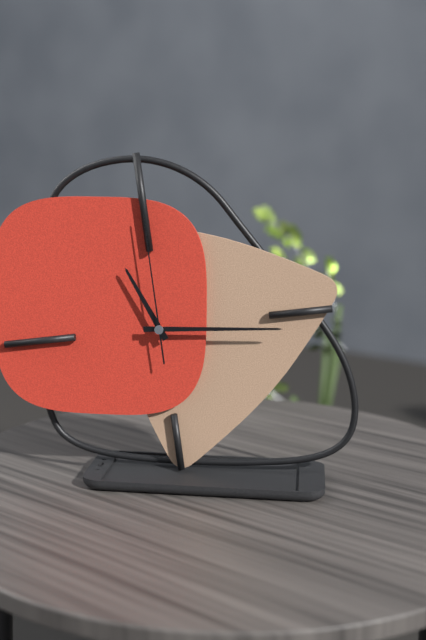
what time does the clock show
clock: 11:16:00
